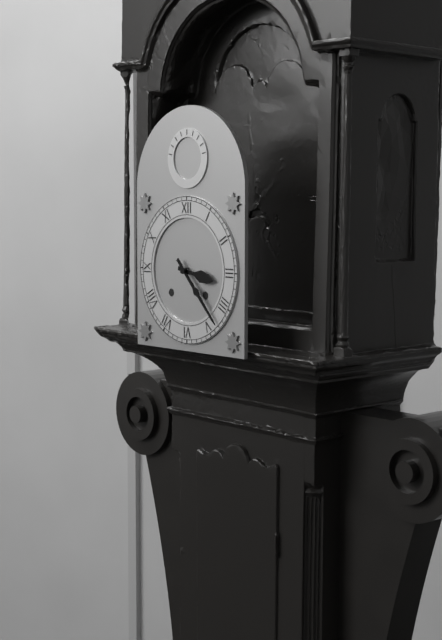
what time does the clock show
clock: 3:23
